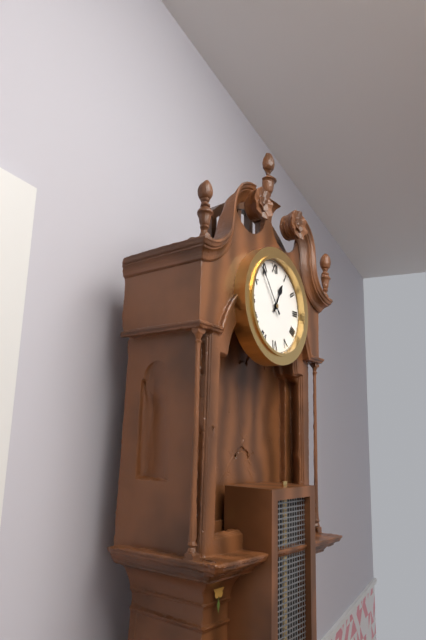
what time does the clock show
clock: 12:54
